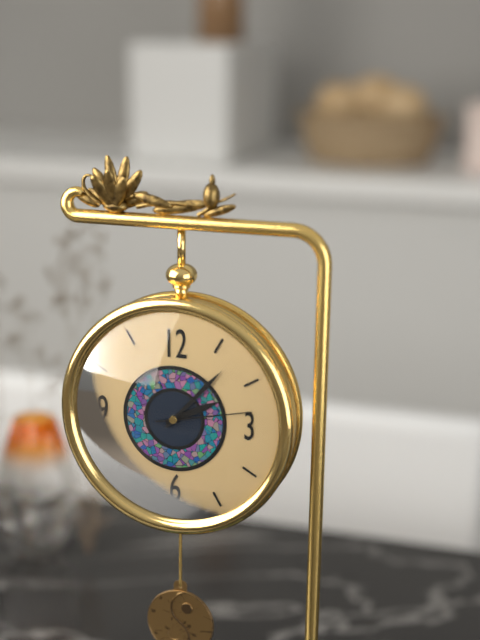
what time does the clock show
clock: 2:07:13
